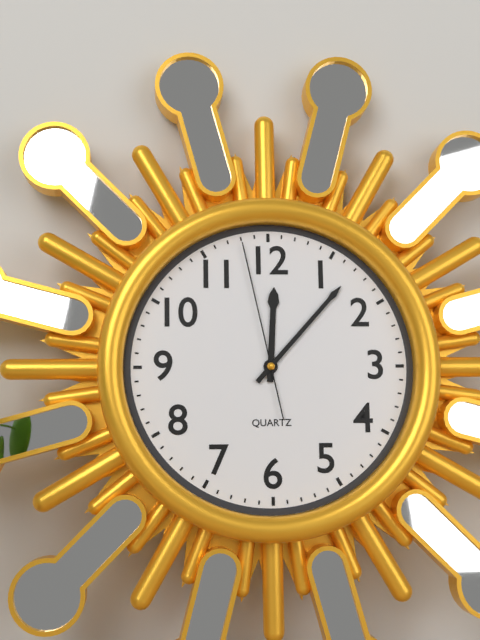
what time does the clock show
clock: 12:07:58
